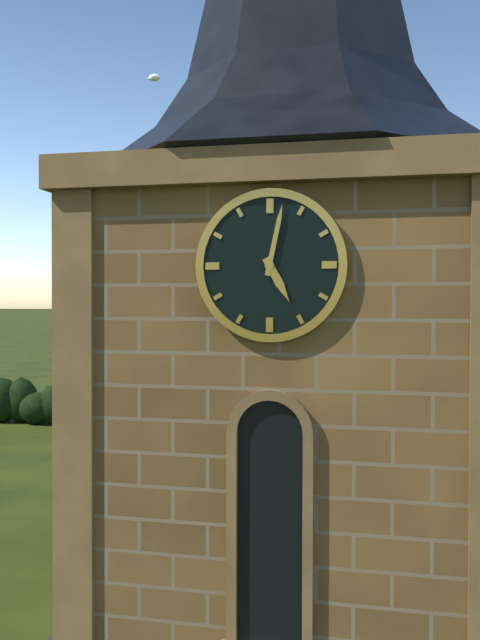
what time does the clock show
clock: 5:02
